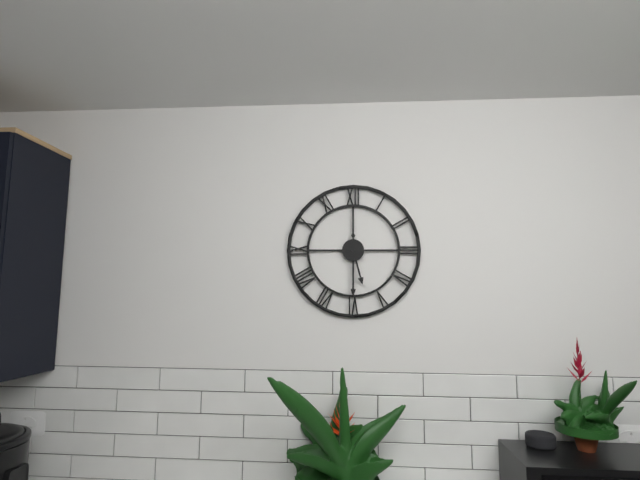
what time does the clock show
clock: 5:30
